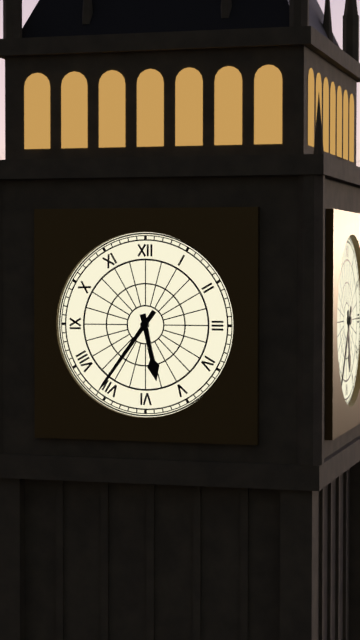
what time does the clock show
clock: 5:36
